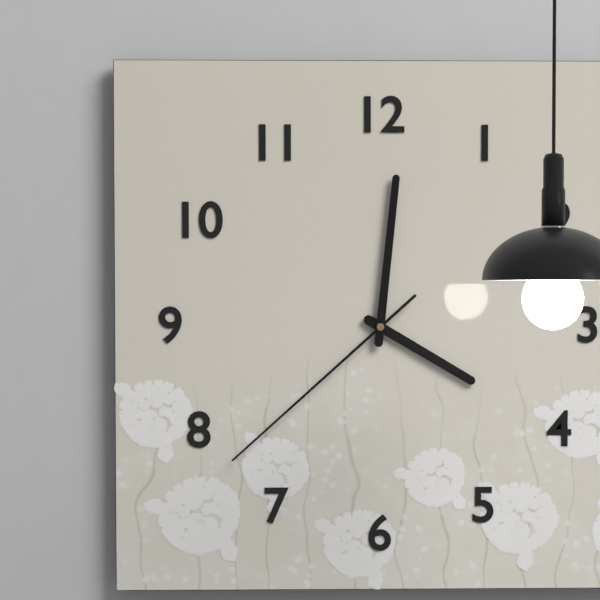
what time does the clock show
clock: 4:01:38
